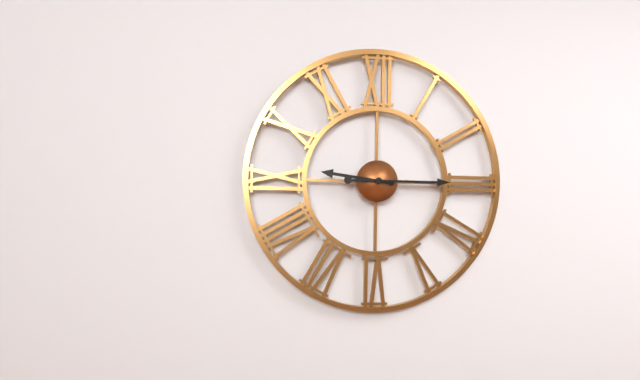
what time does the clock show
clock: 9:15
